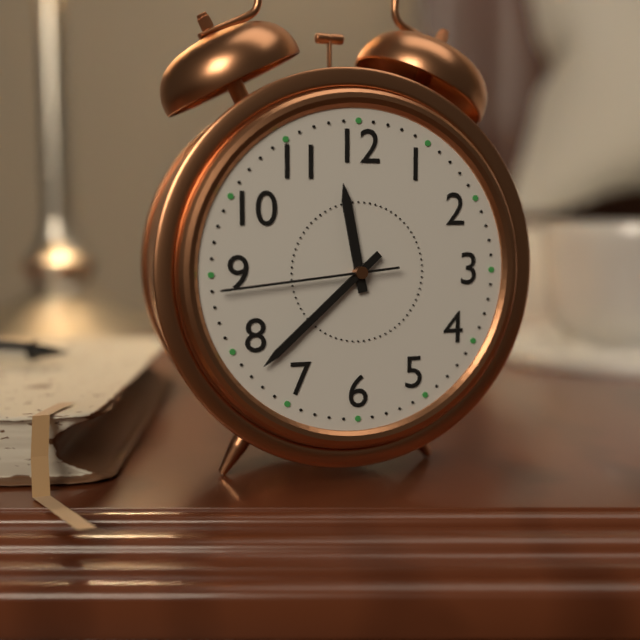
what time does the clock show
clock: 11:38:44
